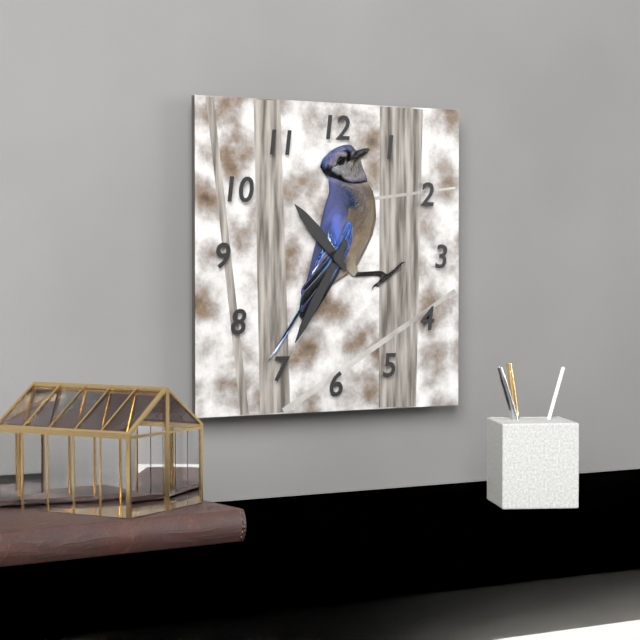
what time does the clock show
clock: 10:35
